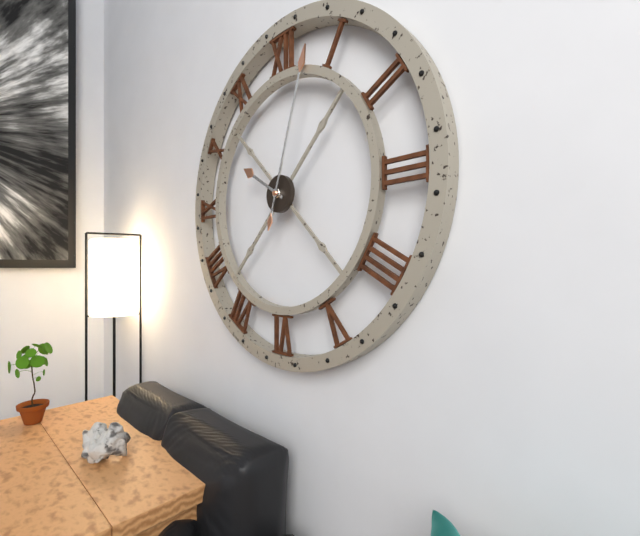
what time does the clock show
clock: 10:03
